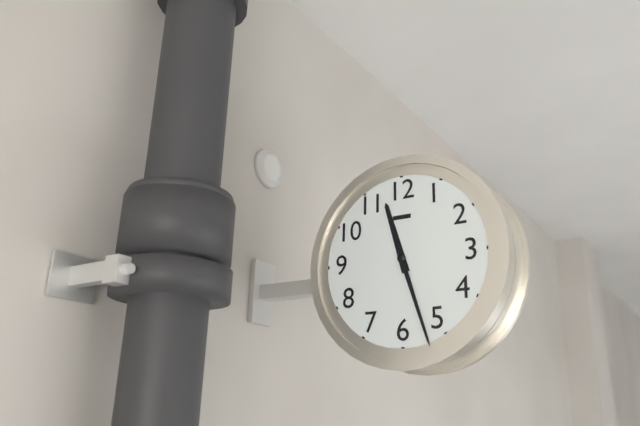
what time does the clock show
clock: 11:27
